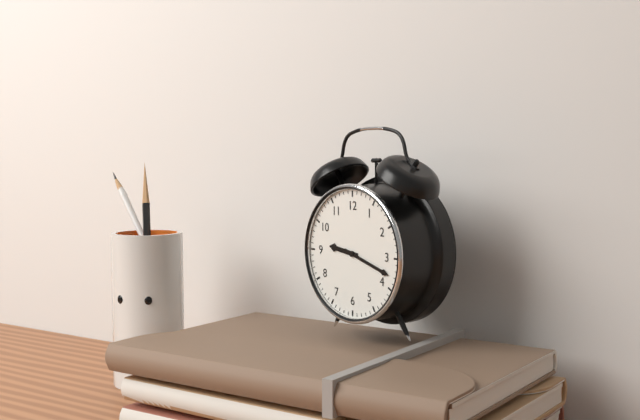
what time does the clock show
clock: 9:18
